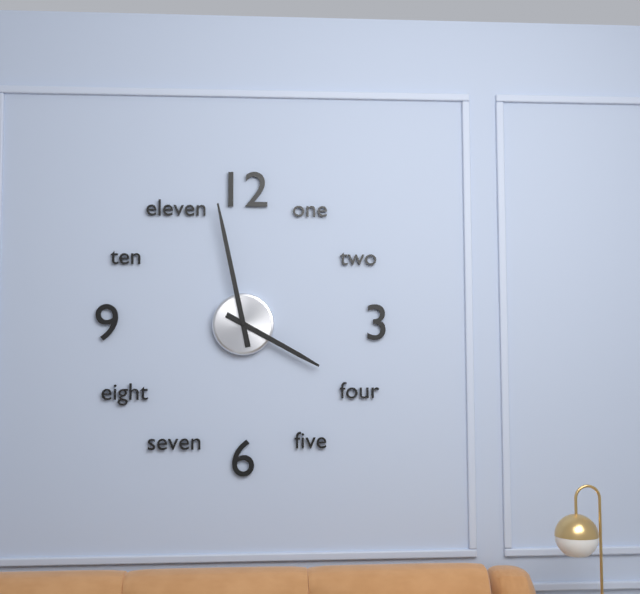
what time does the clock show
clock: 3:58
